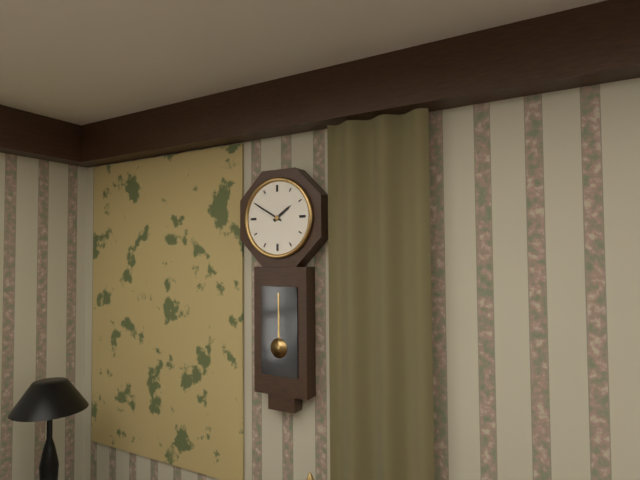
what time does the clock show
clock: 1:50
